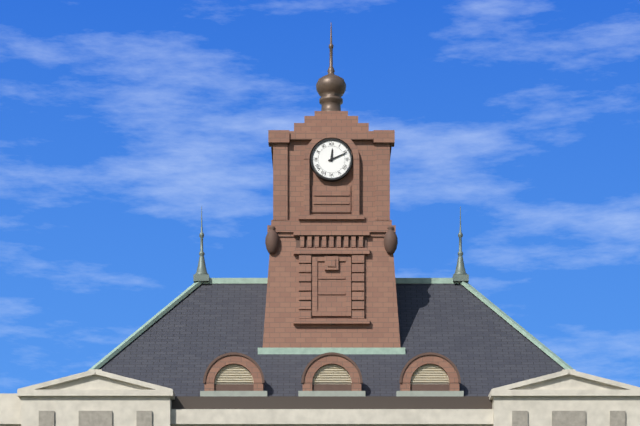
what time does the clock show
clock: 12:11
